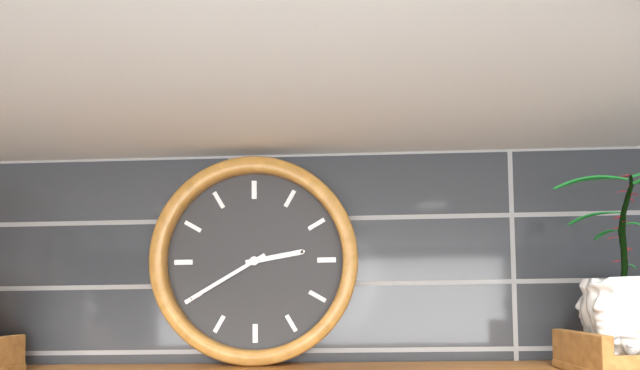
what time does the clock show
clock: 2:40
